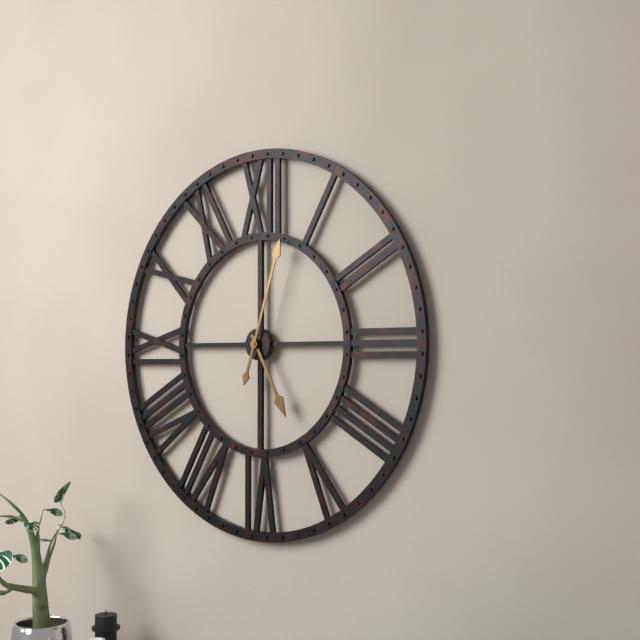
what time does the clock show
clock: 5:03
